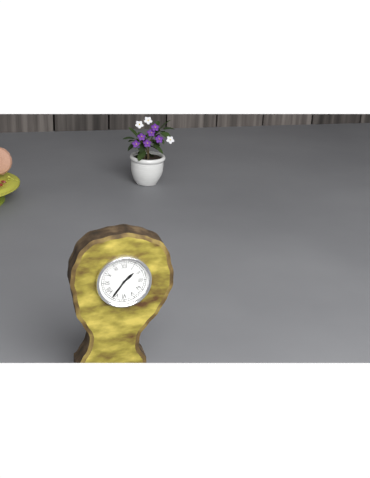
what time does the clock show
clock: 1:36
